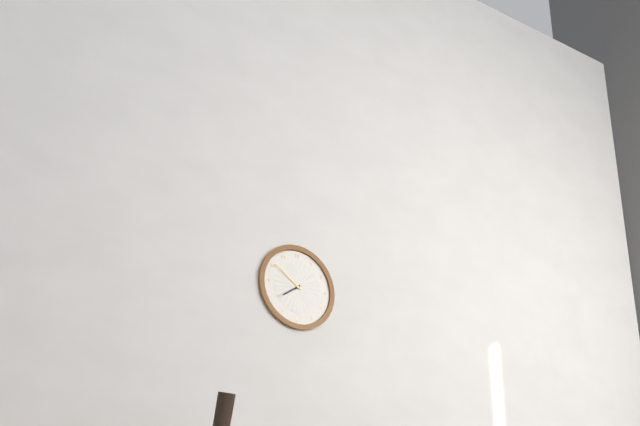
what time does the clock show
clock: 7:51
